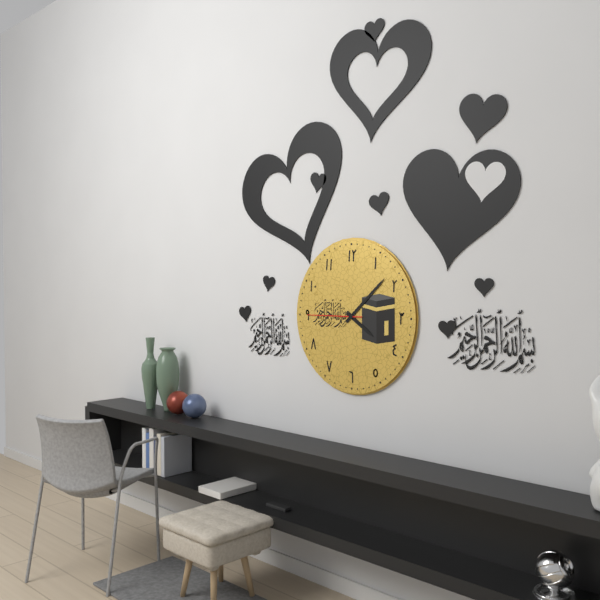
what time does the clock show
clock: 4:08:45
